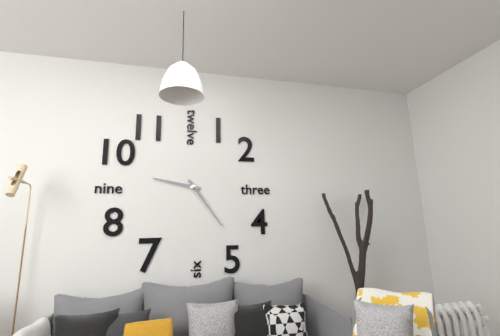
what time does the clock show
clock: 9:24
